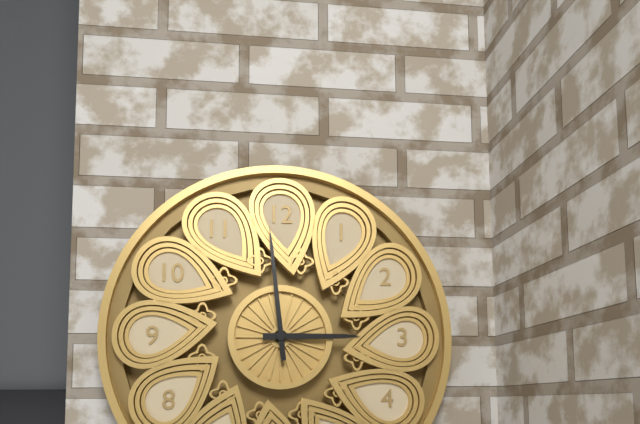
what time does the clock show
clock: 2:59
